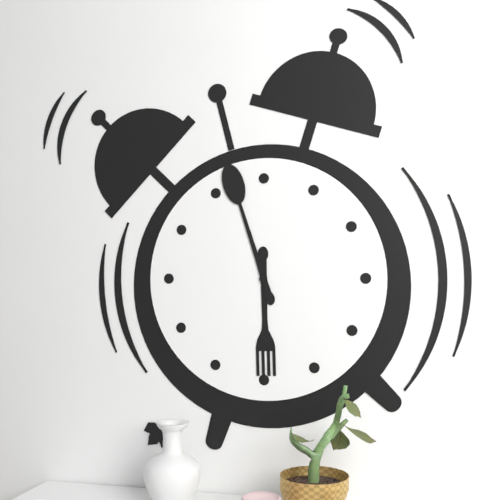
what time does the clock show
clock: 5:57
